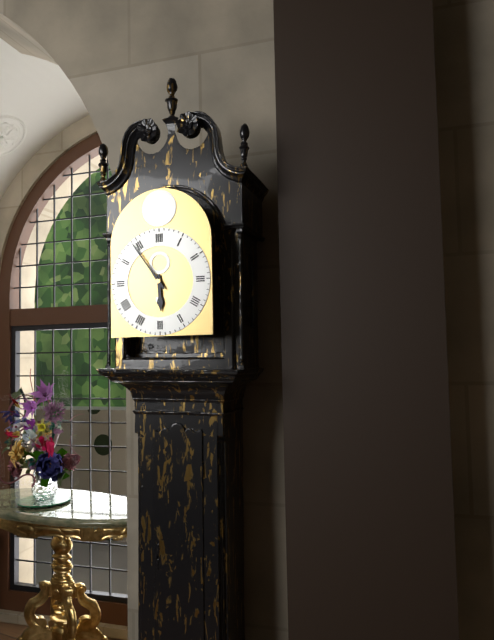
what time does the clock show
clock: 5:54
